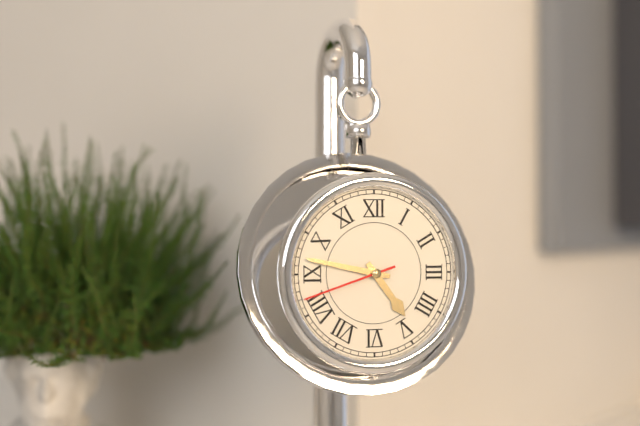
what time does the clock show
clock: 4:47:42
